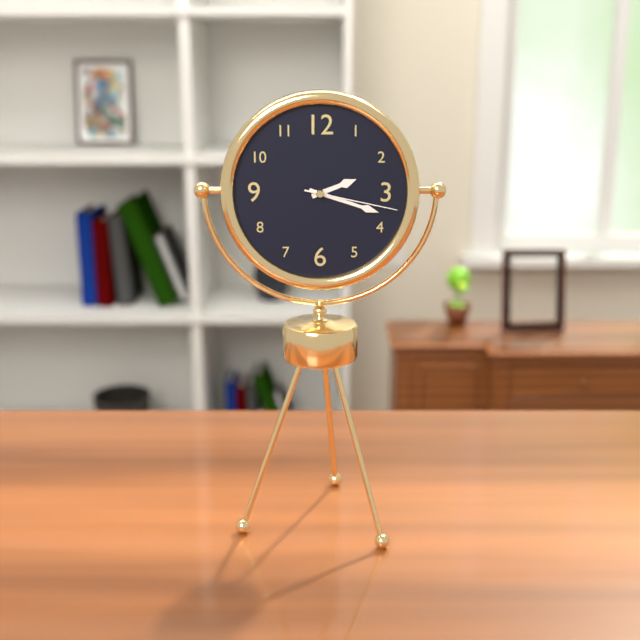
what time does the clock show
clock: 2:18:17
